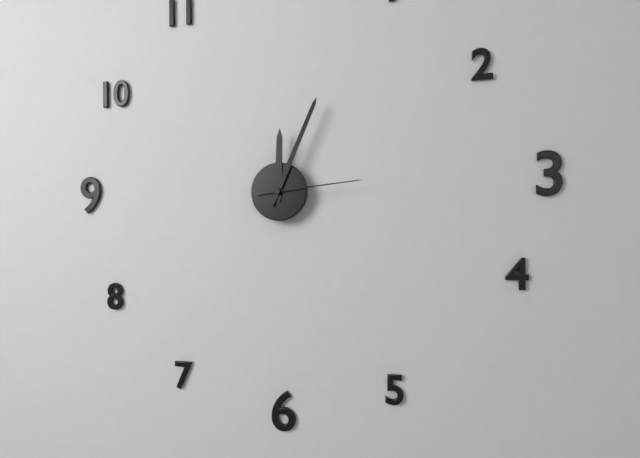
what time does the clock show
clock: 12:04:14
